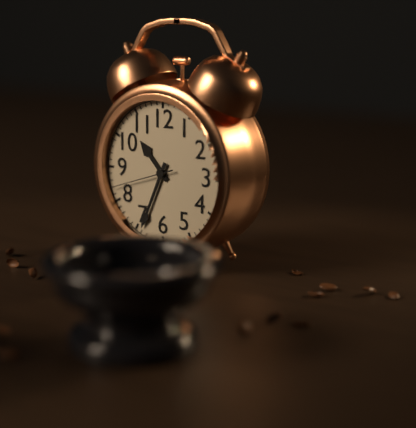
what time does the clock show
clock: 10:34:42
